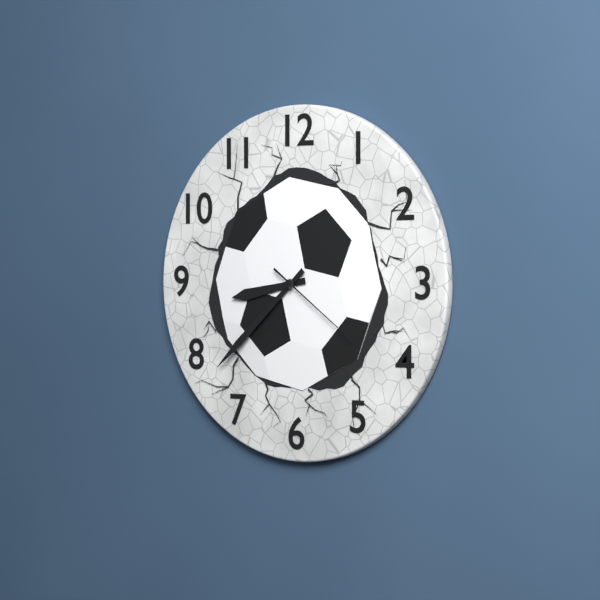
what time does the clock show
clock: 8:38:21
